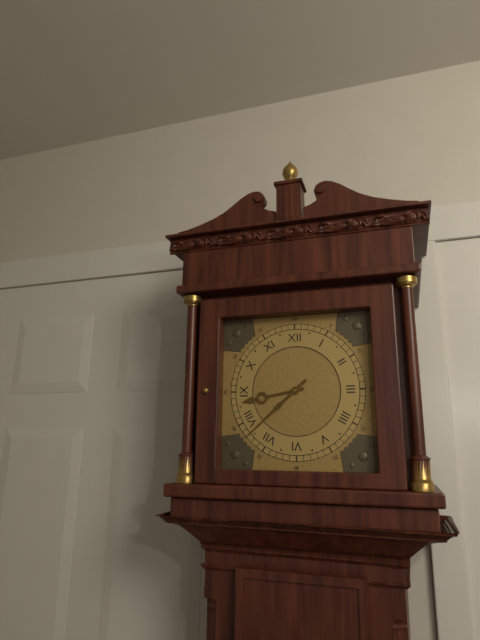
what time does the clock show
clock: 8:38
